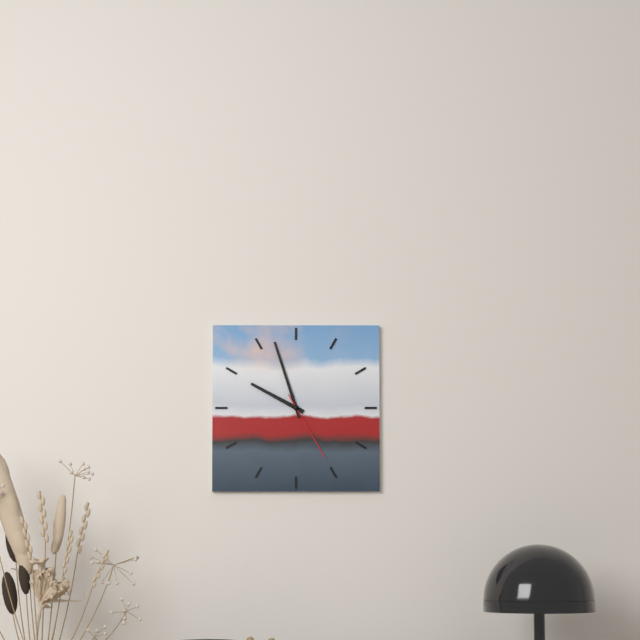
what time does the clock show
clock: 9:57:25
